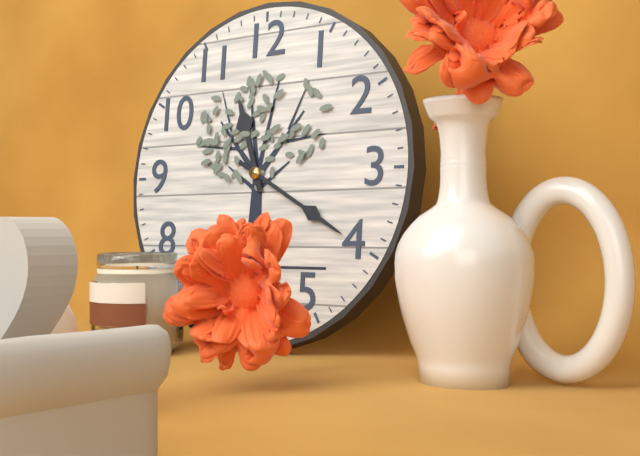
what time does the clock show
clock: 11:20
